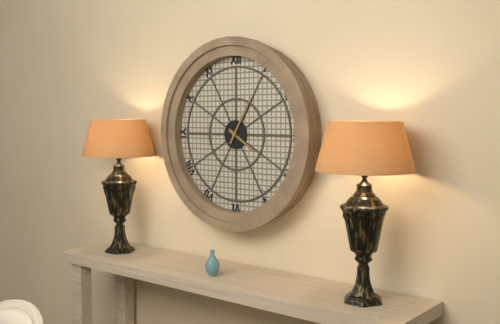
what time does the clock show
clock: 4:05
